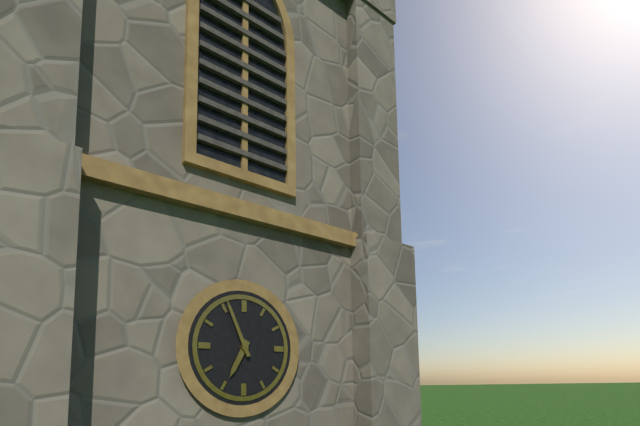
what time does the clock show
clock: 6:56
